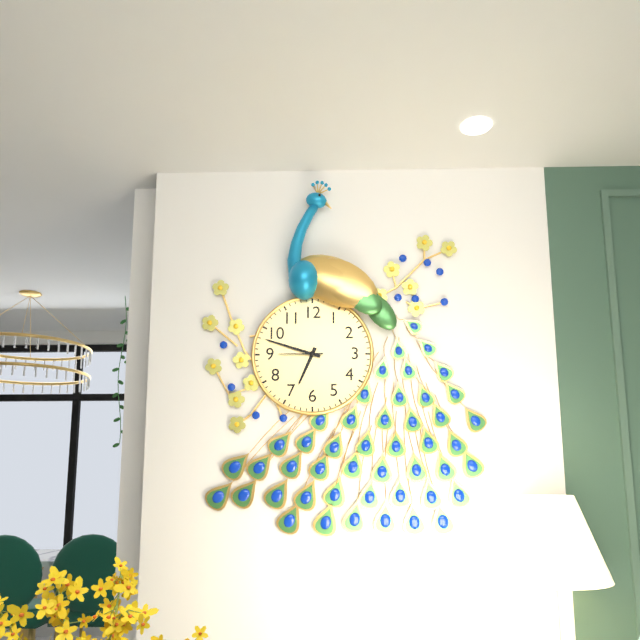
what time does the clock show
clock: 6:48
